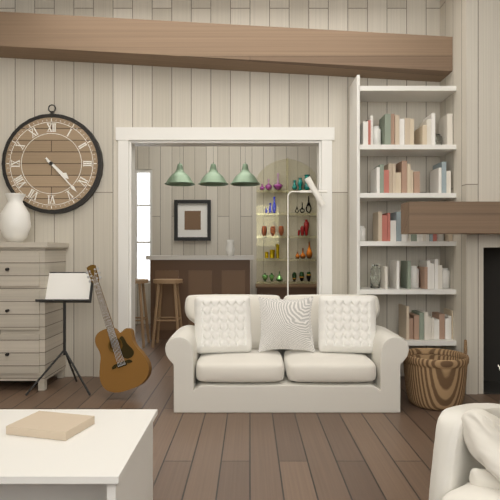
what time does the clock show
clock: 4:23
